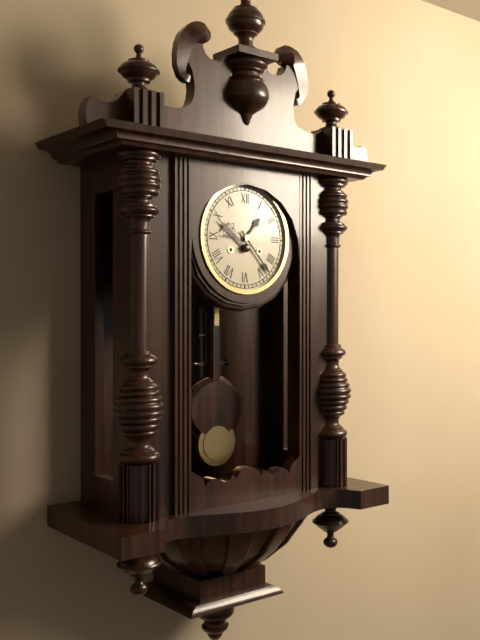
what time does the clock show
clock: 1:23
